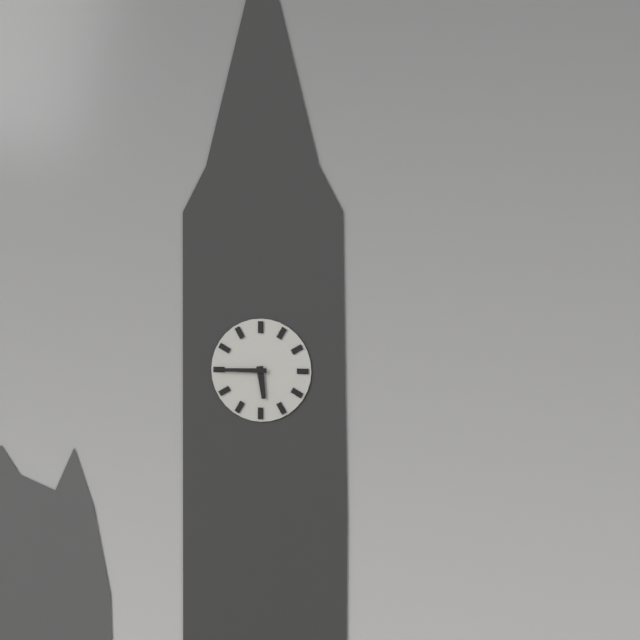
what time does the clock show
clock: 5:45
